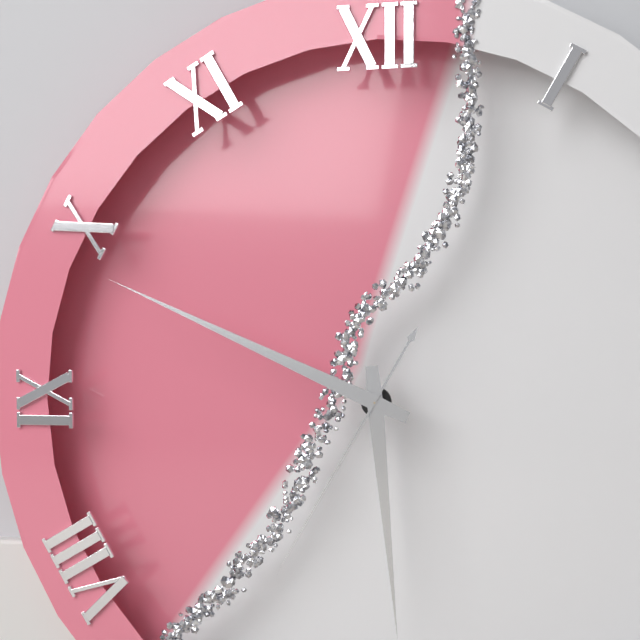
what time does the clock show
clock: 5:49:35
